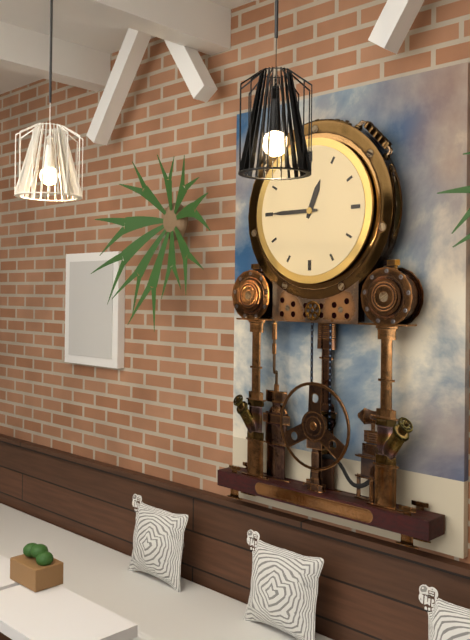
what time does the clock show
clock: 12:45
